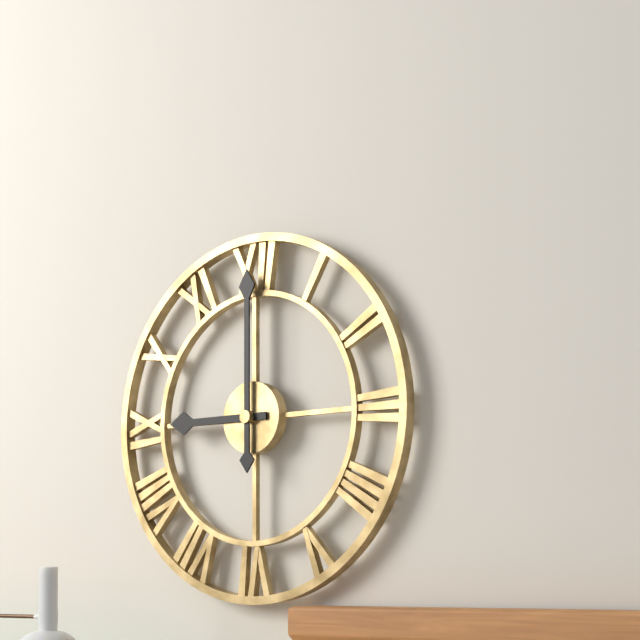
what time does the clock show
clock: 9:00
